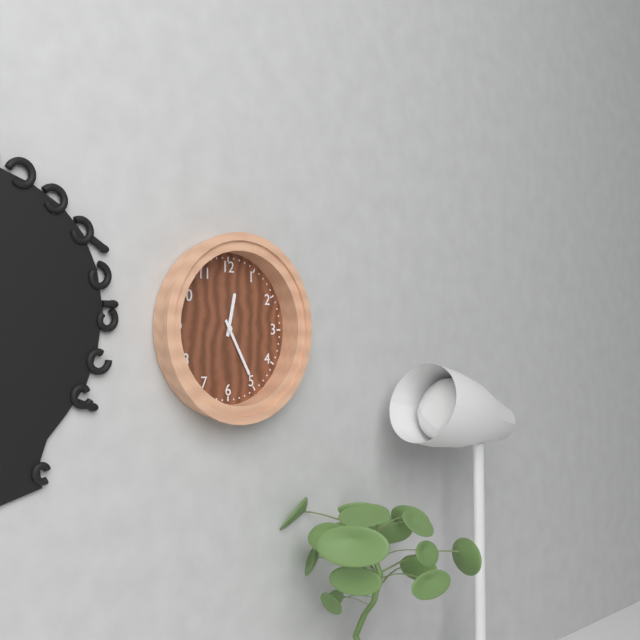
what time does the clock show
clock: 12:25
